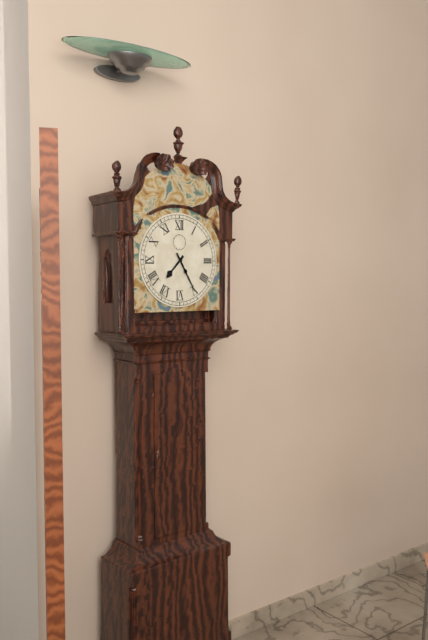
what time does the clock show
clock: 7:25
